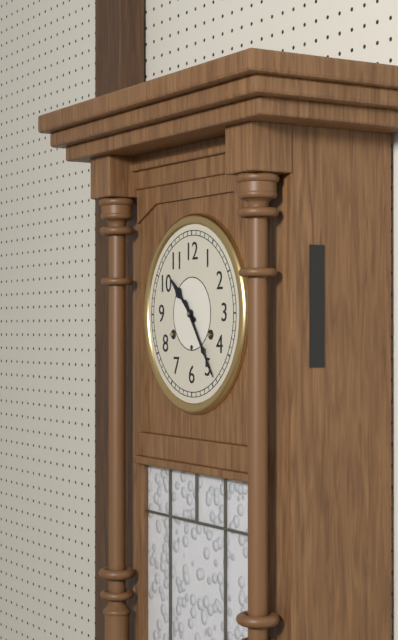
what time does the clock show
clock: 10:24
